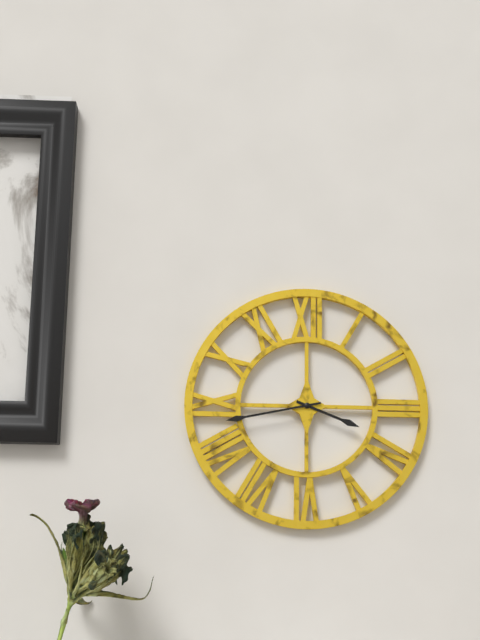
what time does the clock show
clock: 3:43
